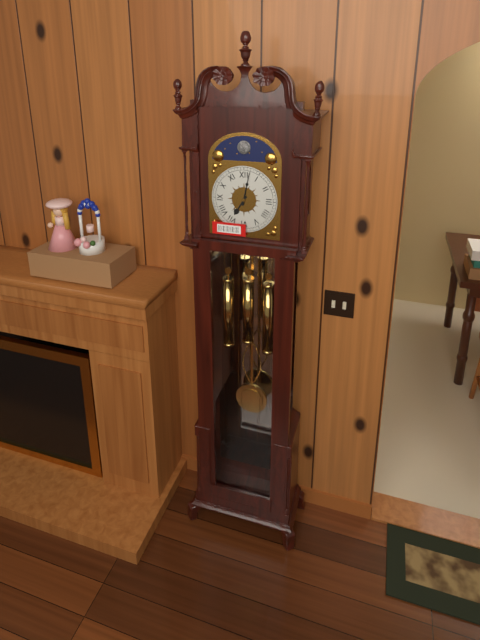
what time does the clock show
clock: 7:02
